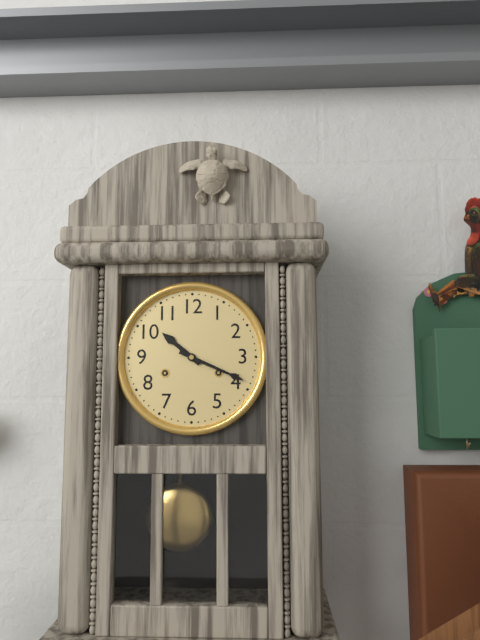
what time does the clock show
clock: 10:19
